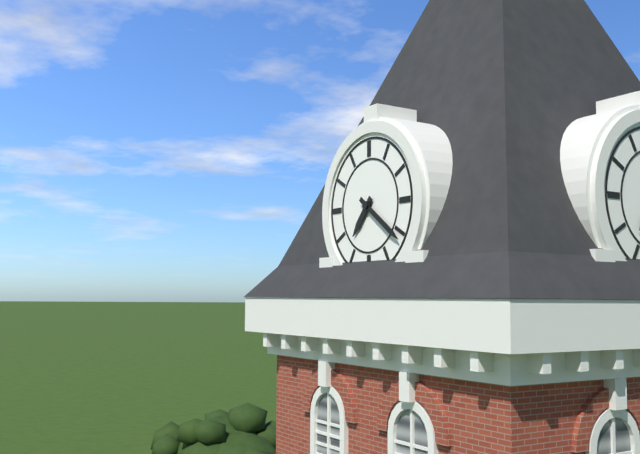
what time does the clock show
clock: 7:21
